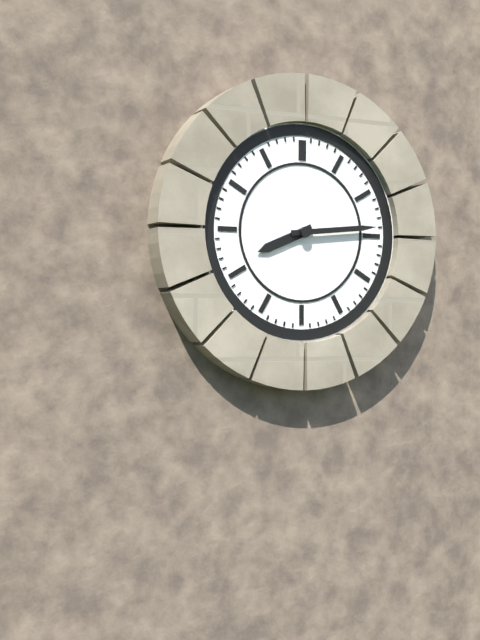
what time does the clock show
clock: 8:14
